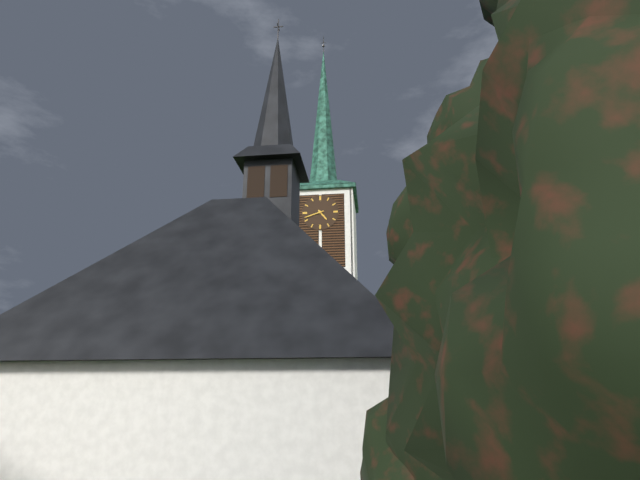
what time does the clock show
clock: 4:42
